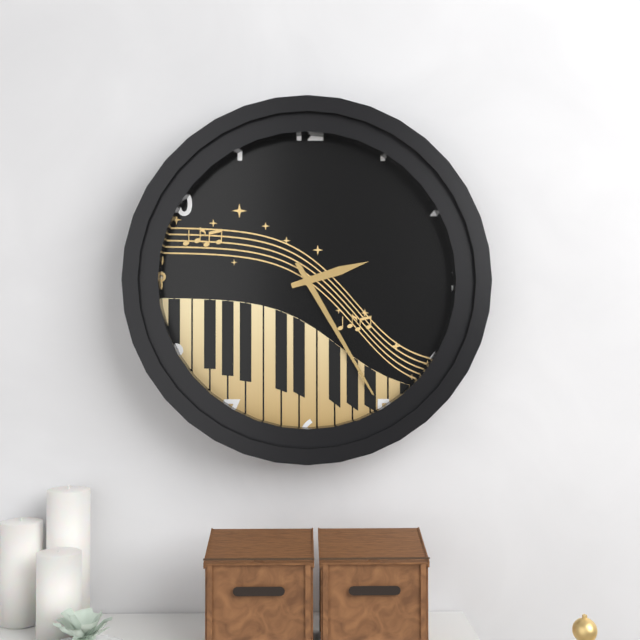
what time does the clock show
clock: 2:25
